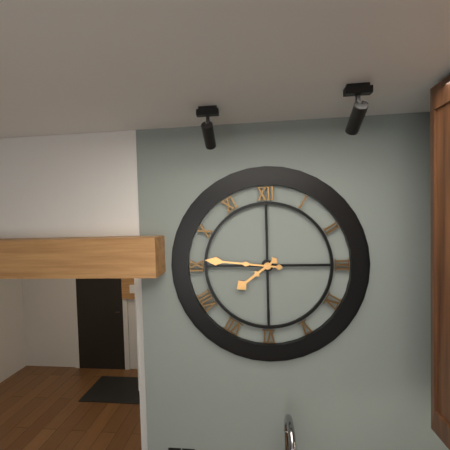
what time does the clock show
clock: 7:46
